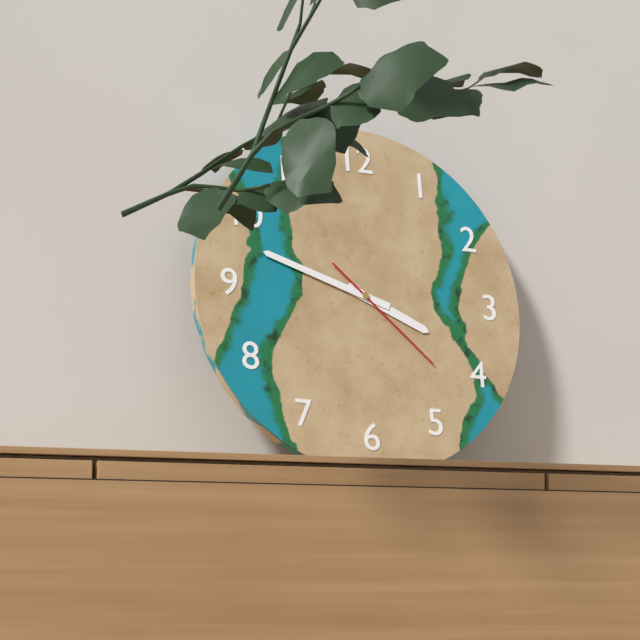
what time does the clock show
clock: 3:48:22
